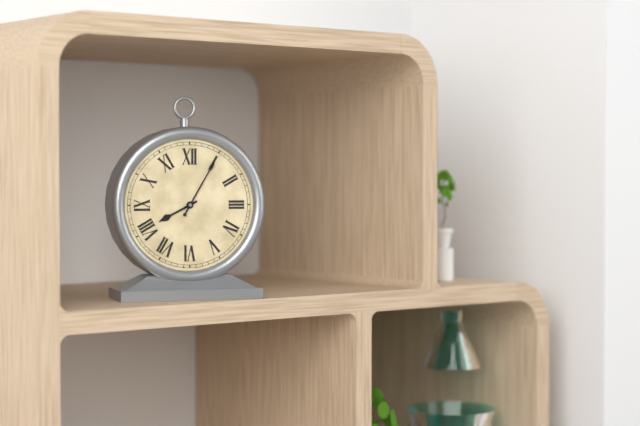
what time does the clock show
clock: 8:05
